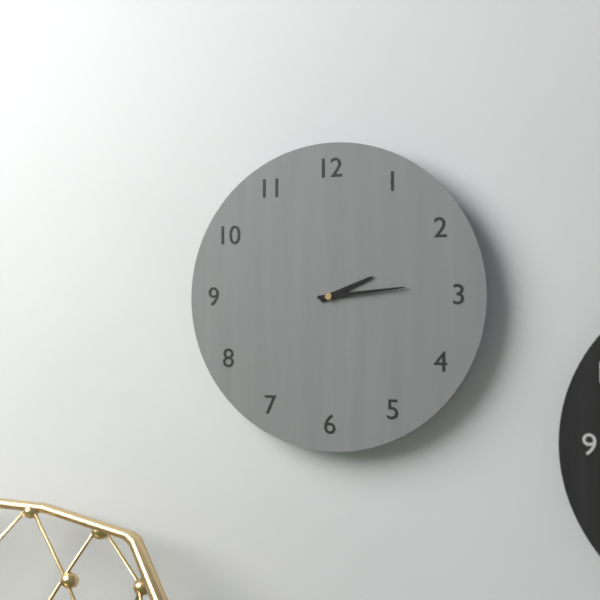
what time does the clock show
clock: 2:14
